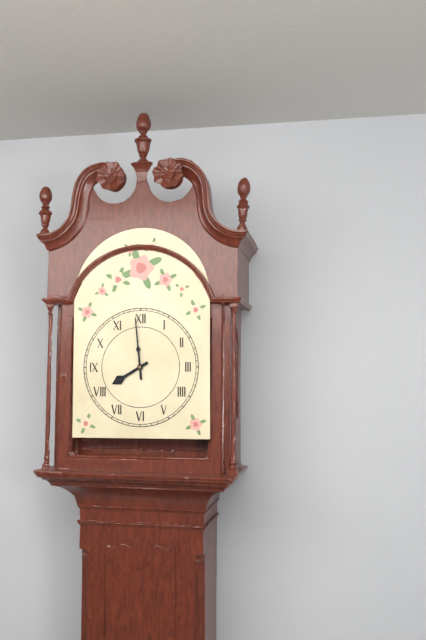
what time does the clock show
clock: 7:59
